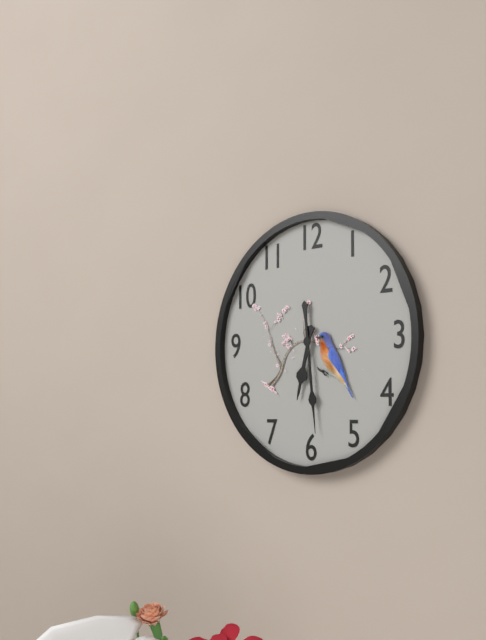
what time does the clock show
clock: 6:29
